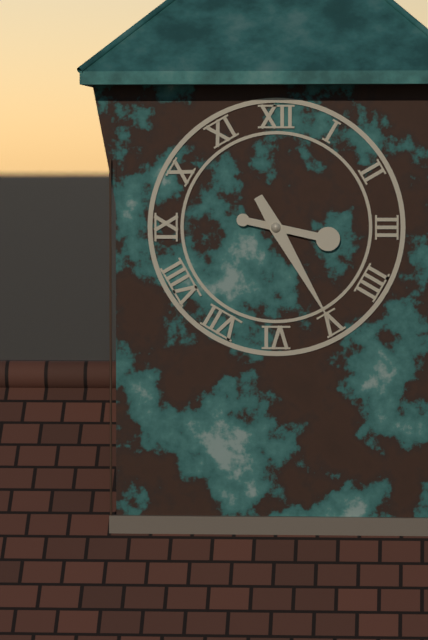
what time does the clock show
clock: 3:25
